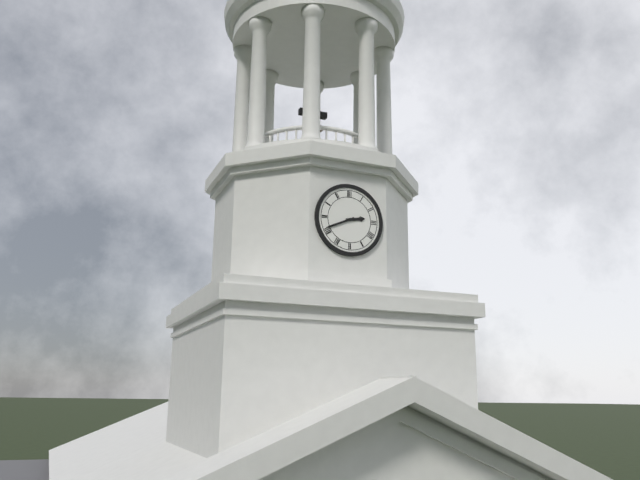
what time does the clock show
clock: 2:41
